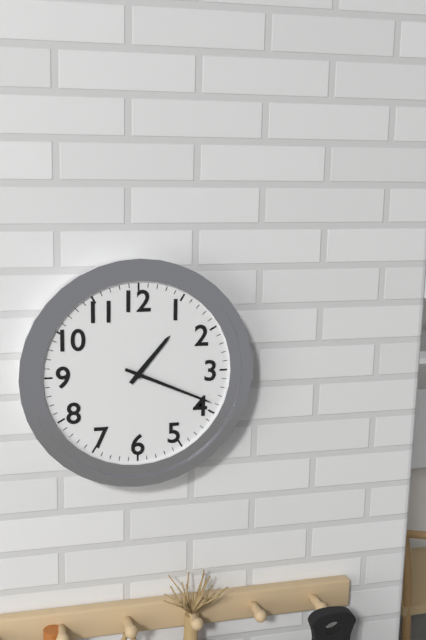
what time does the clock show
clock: 1:19
